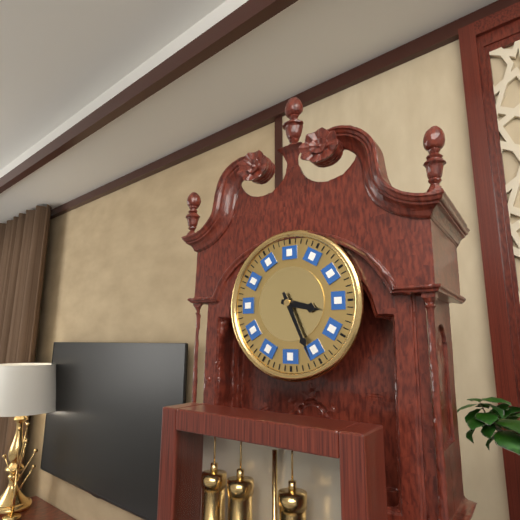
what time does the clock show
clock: 3:26
